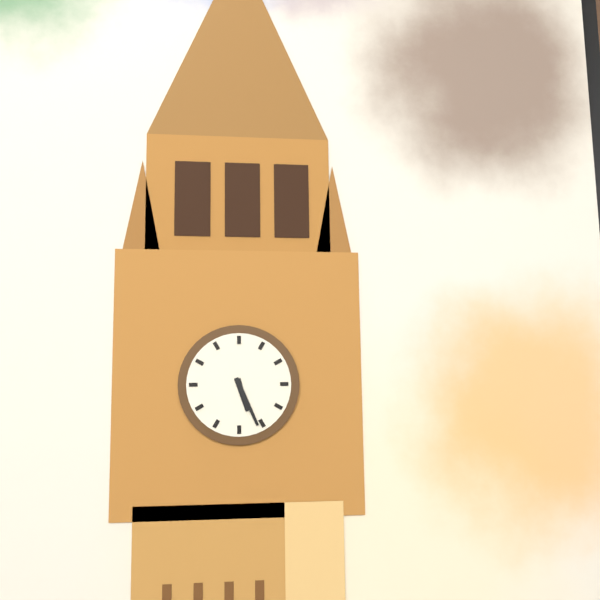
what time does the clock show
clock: 5:26
